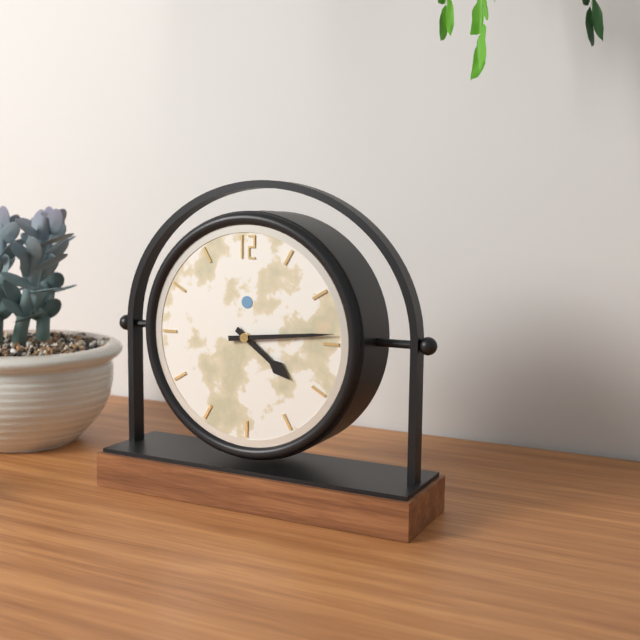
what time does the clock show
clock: 4:14
